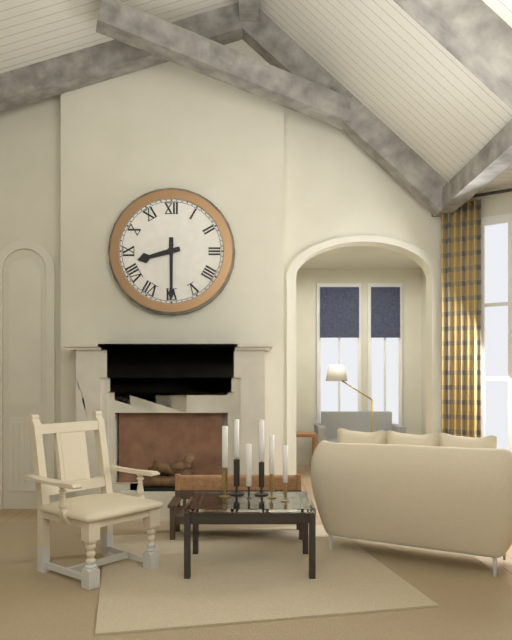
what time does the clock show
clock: 8:30
